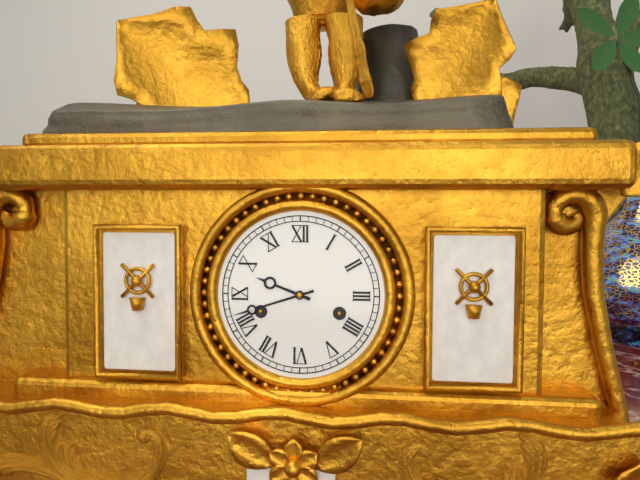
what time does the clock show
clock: 9:42
